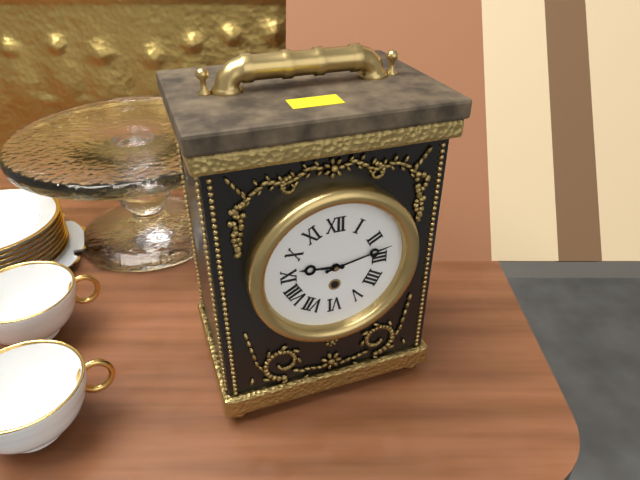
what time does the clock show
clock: 9:13
